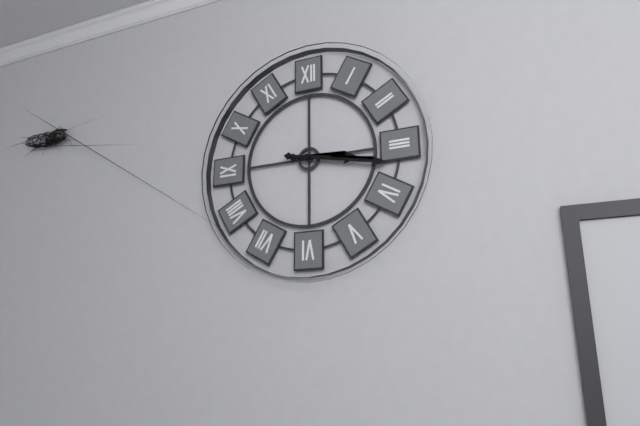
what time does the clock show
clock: 3:17
